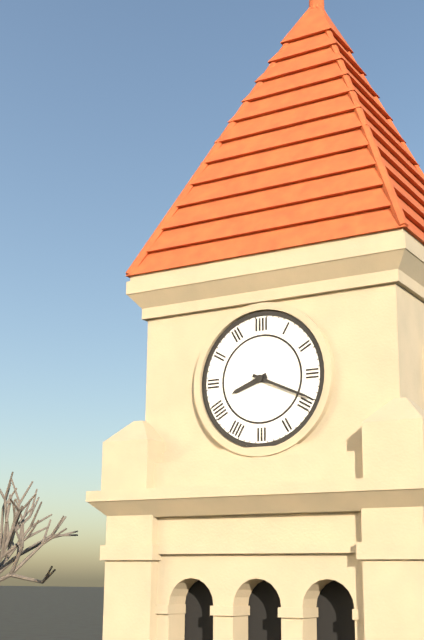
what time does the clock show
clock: 8:19
